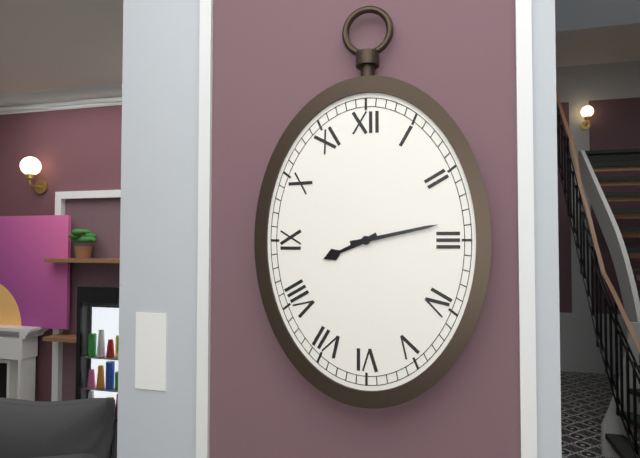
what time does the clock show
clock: 8:13
